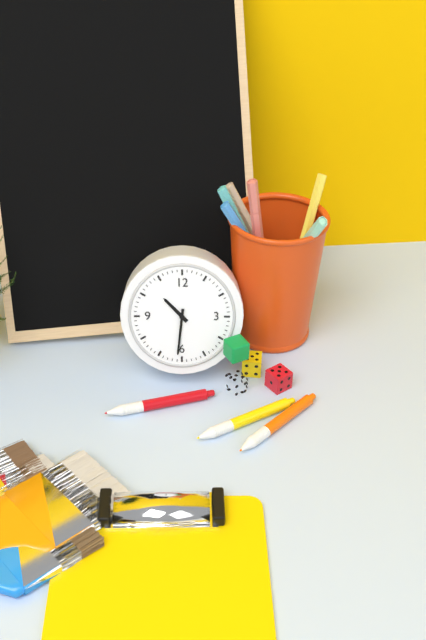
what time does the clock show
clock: 10:31
